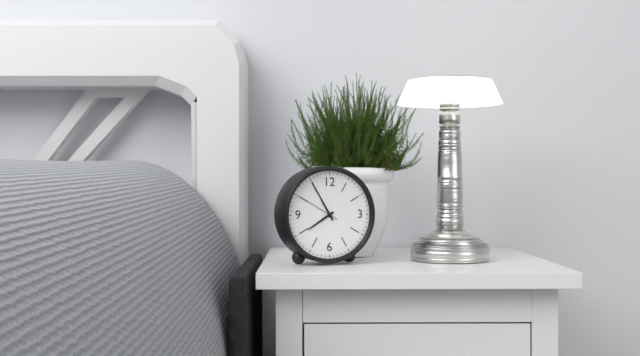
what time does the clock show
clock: 7:55
